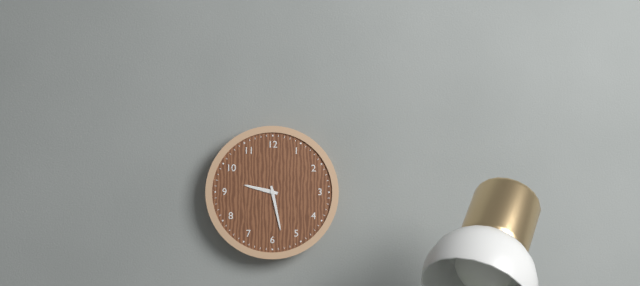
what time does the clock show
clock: 9:28
